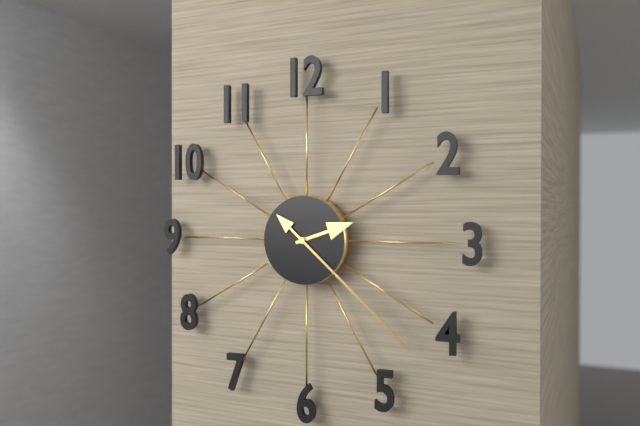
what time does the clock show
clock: 2:22
